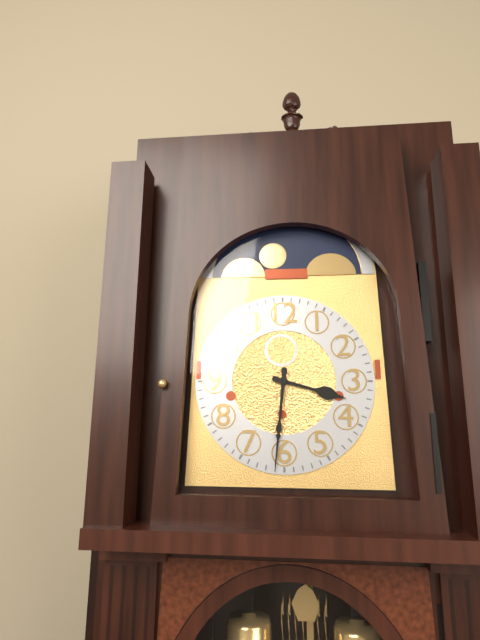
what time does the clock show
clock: 3:31
